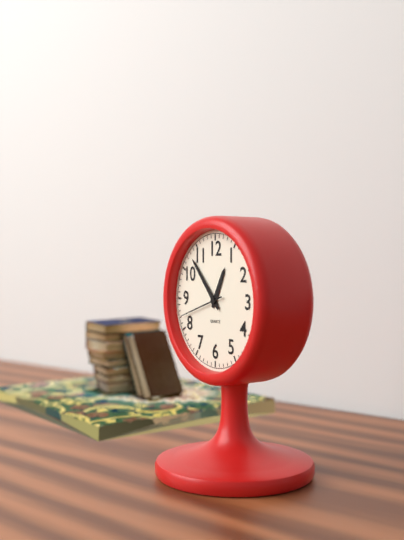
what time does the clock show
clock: 12:53
